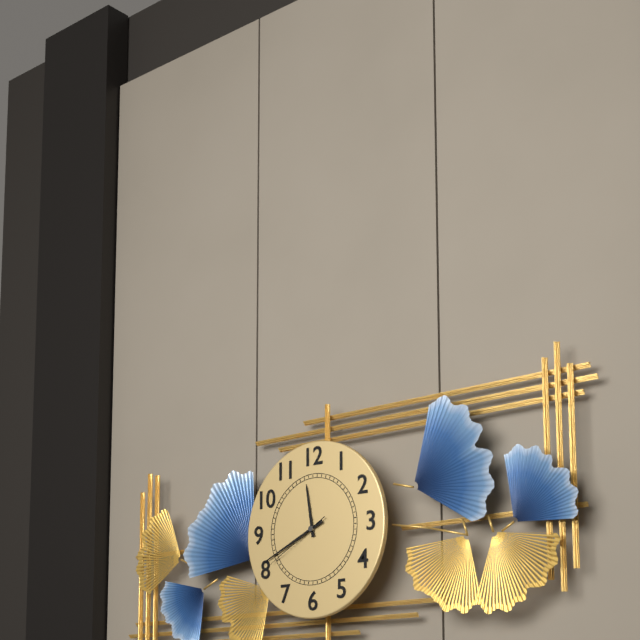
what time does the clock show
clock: 11:41:40
